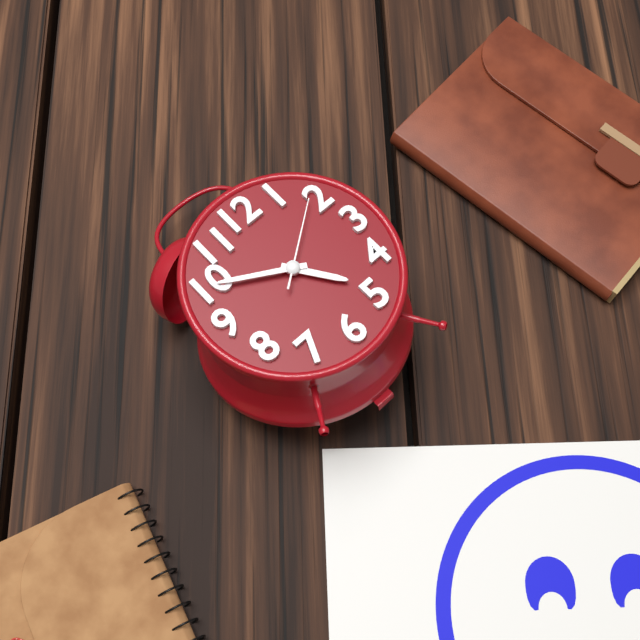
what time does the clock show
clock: 4:50:09
